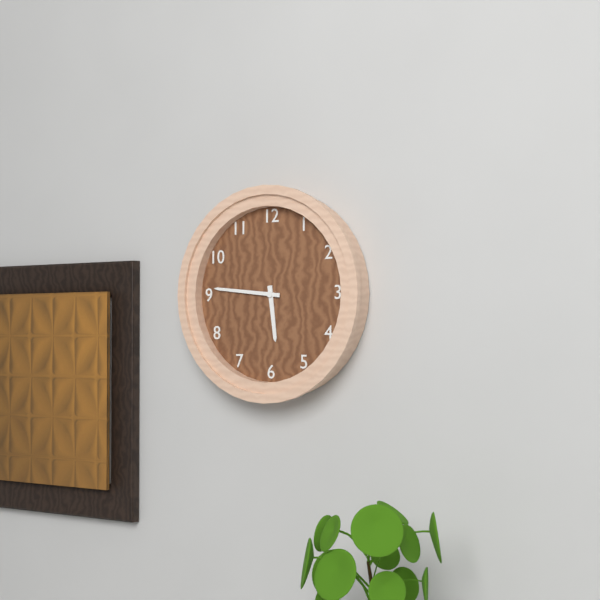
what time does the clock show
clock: 5:46
